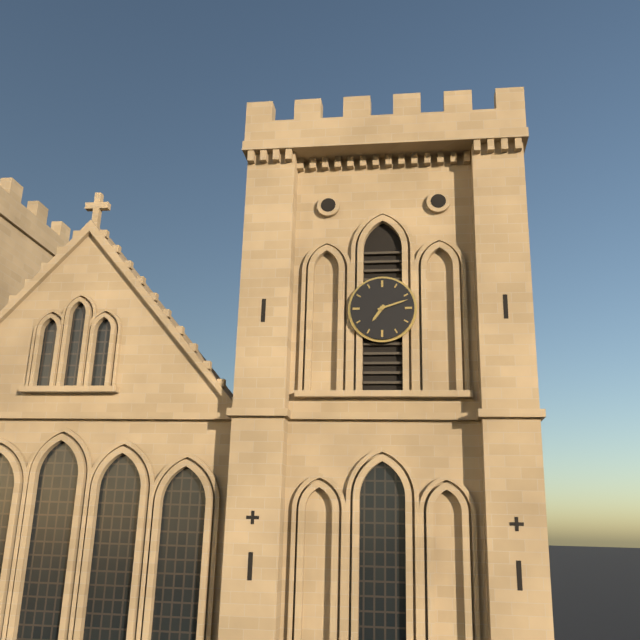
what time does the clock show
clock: 7:12
